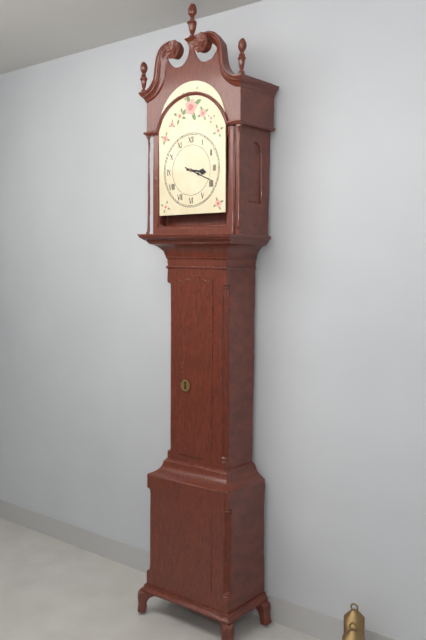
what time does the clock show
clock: 3:19
